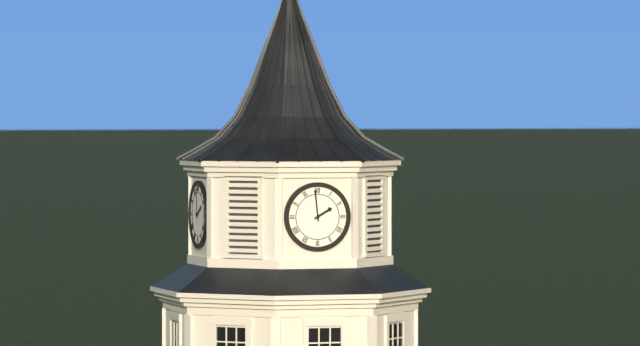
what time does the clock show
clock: 1:59
